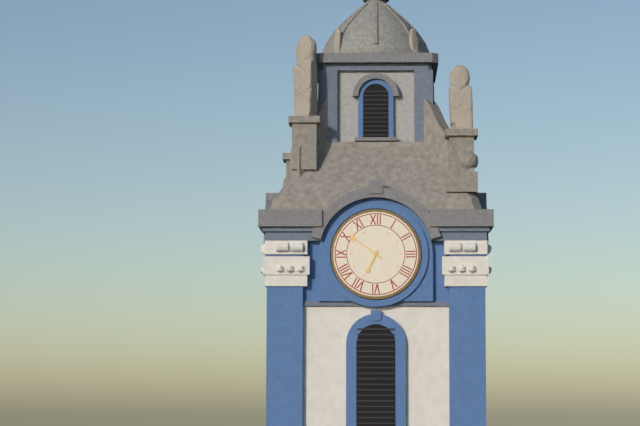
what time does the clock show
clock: 6:51
